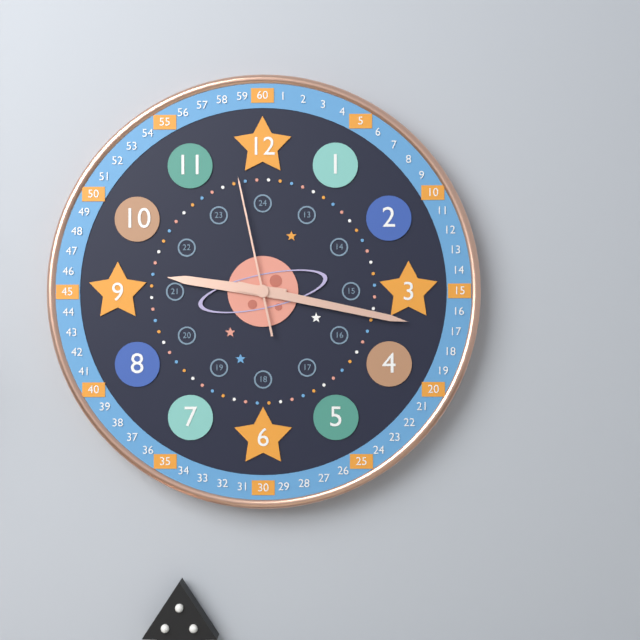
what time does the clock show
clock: 9:17:58
